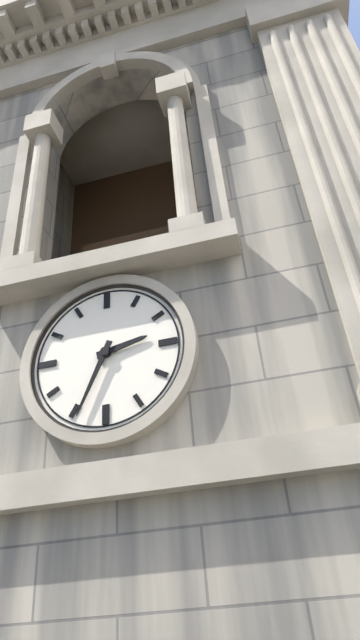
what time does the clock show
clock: 2:34
